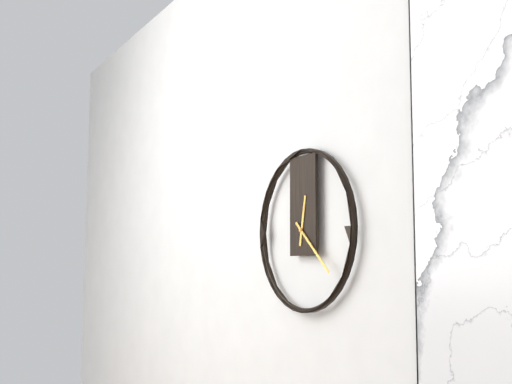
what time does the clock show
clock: 12:22
